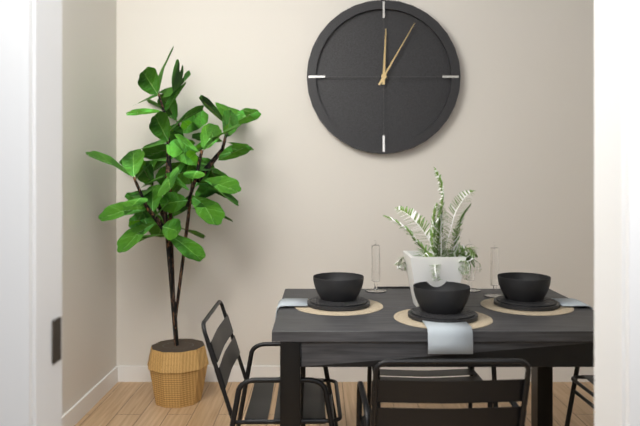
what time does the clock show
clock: 12:05
